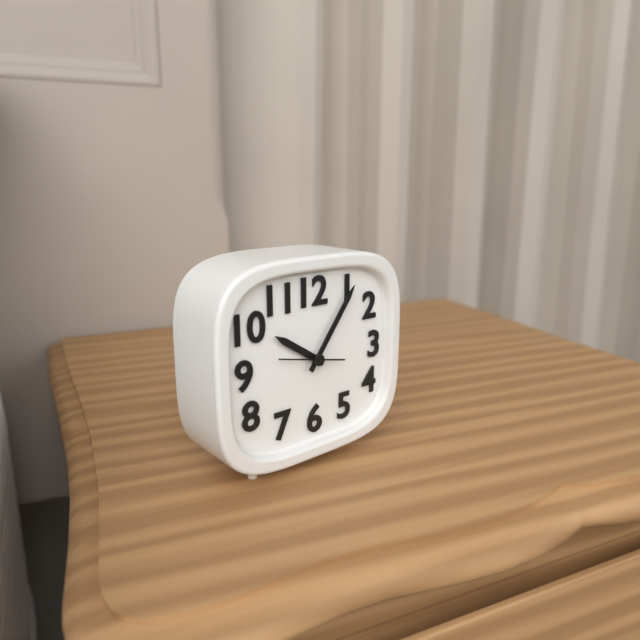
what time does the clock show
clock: 10:06
